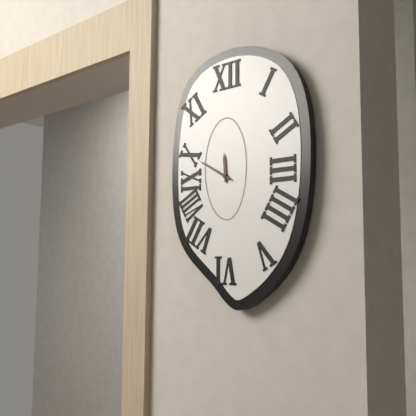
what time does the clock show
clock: 11:50
